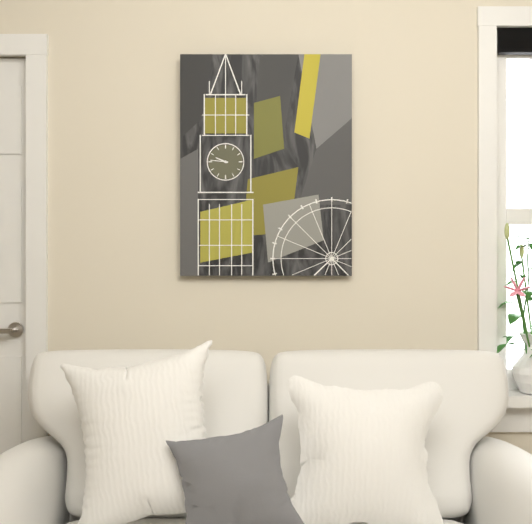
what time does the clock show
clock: 9:46
